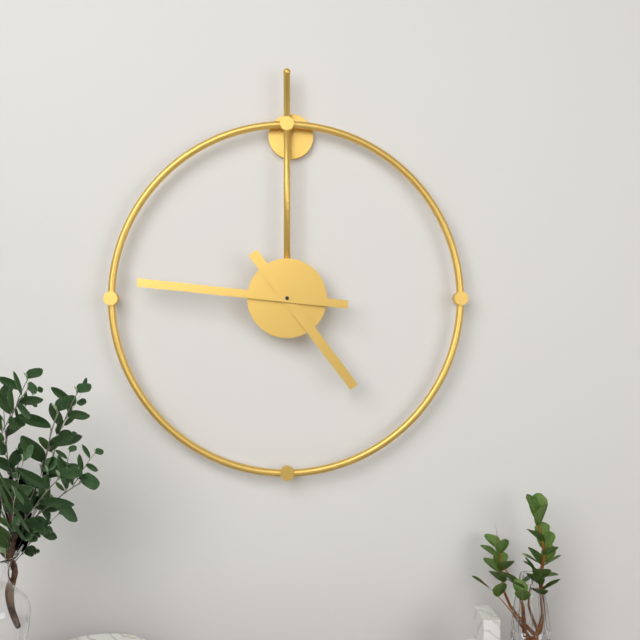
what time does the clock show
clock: 4:46
